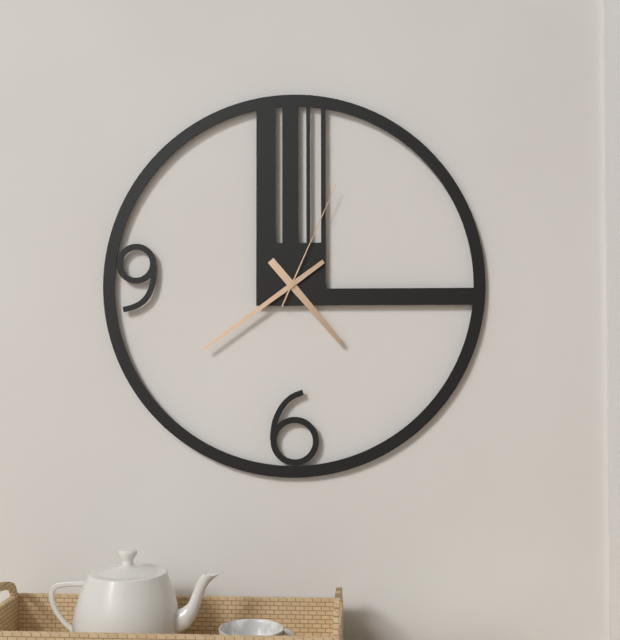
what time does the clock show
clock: 4:39:04
